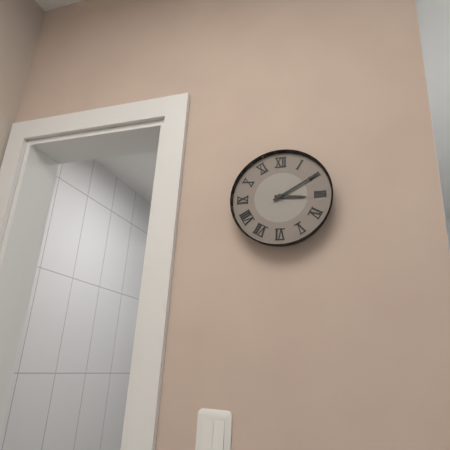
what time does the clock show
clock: 3:10
